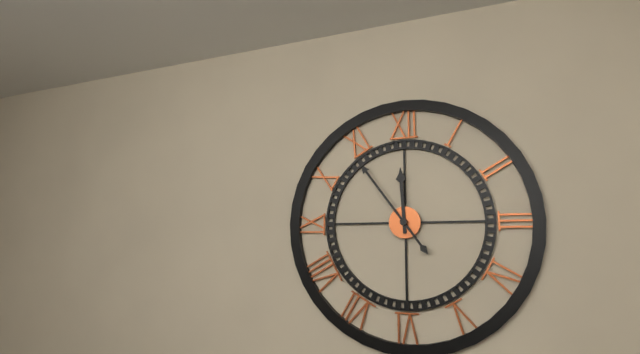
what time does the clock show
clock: 11:54
